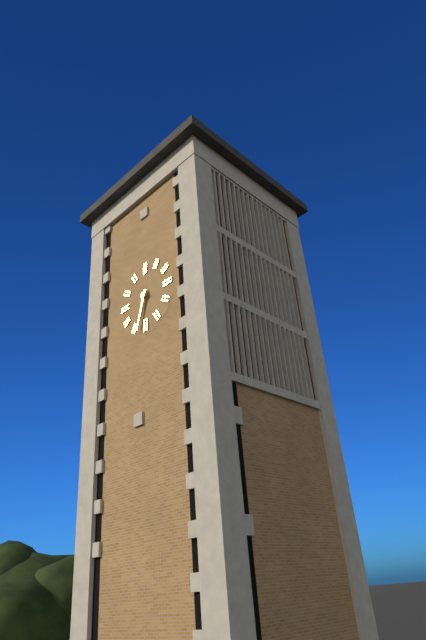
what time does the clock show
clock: 6:33
